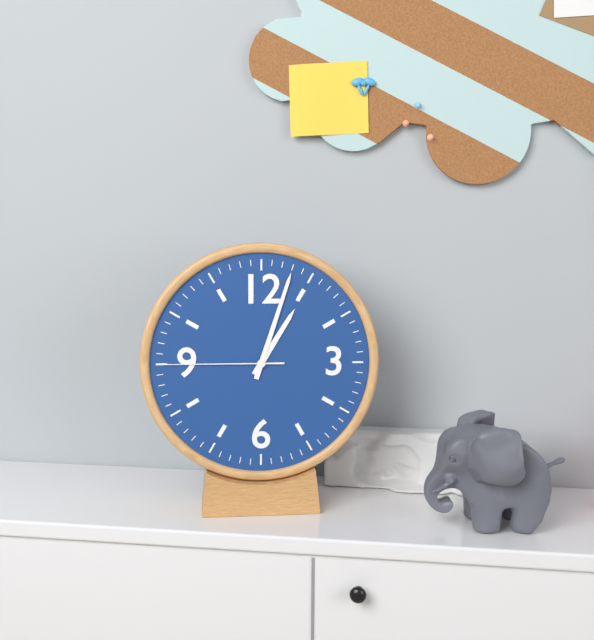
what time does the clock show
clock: 1:03:45
